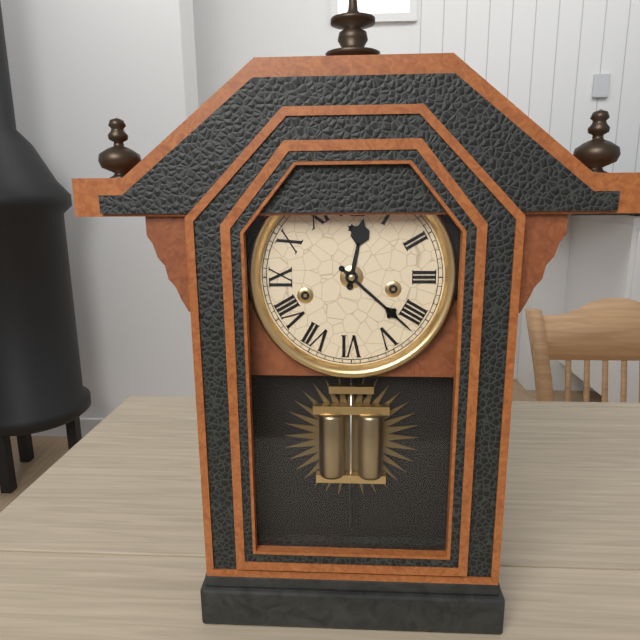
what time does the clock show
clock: 12:22
